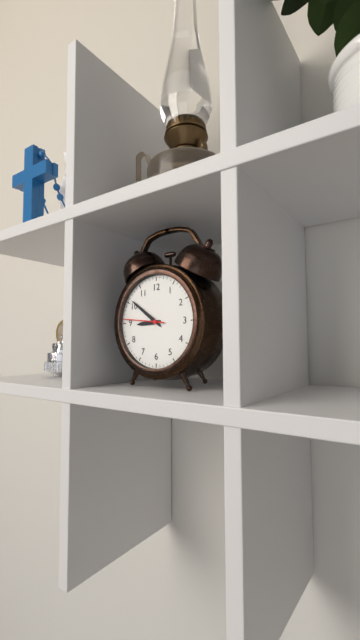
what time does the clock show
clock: 8:51
